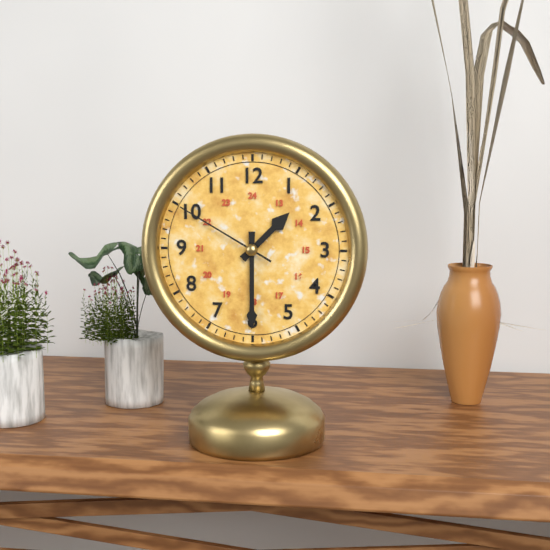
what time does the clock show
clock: 1:30:50
